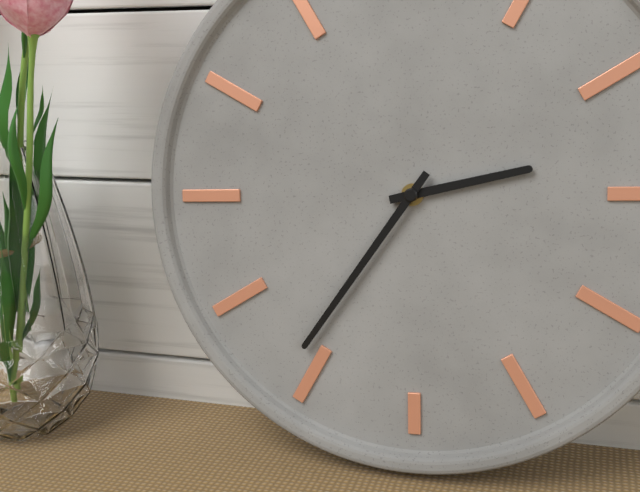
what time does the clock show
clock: 2:36
